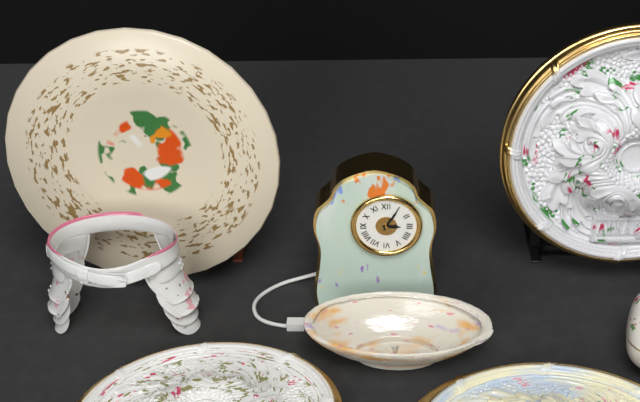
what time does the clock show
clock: 3:05
